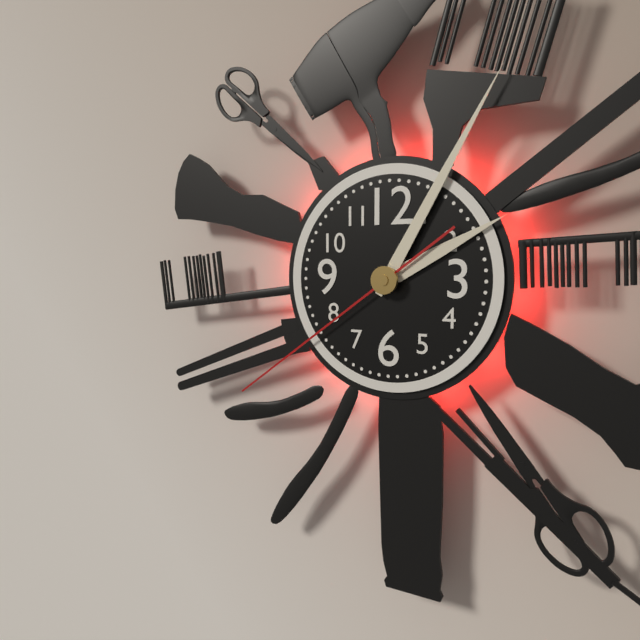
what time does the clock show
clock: 2:05:39
